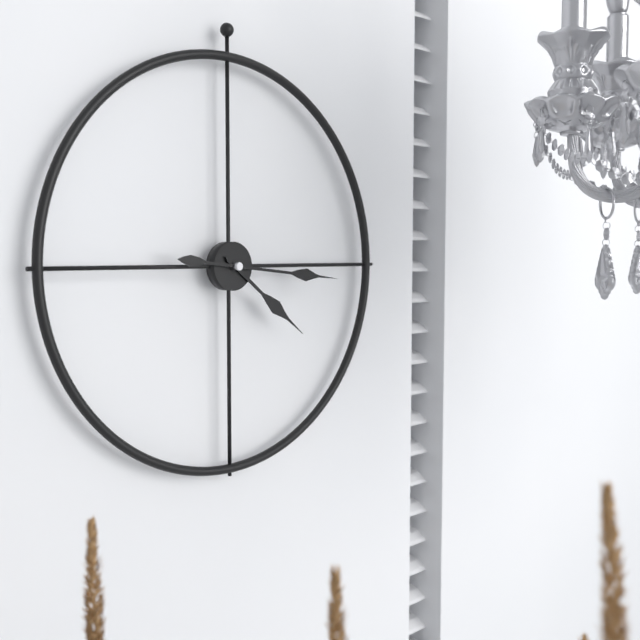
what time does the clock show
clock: 4:16
